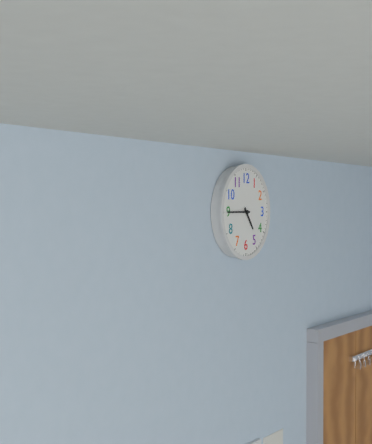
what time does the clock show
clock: 4:45
